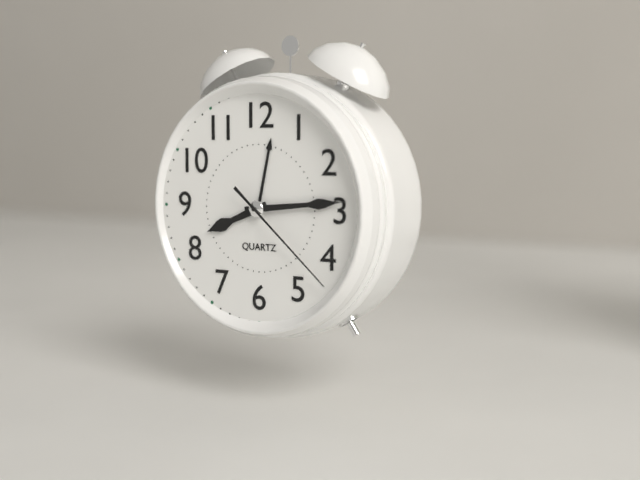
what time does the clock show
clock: 8:14:22
